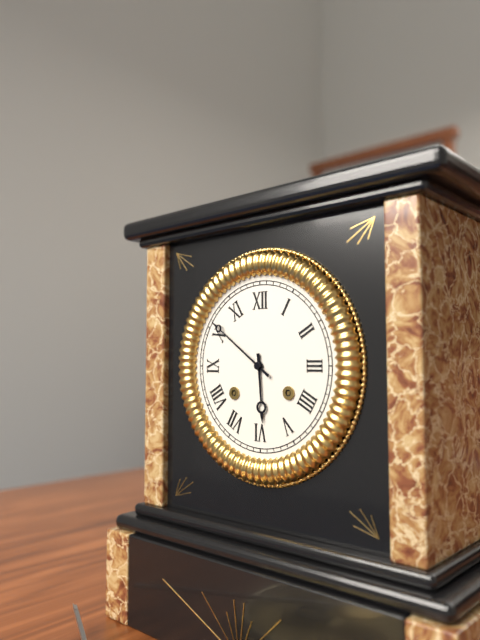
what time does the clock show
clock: 5:51
